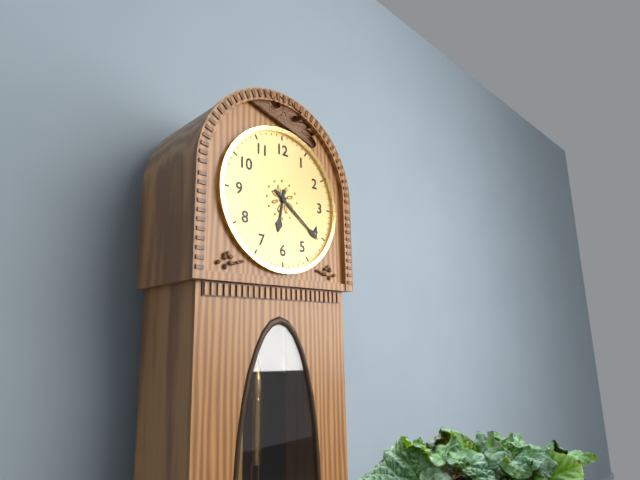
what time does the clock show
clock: 6:21
